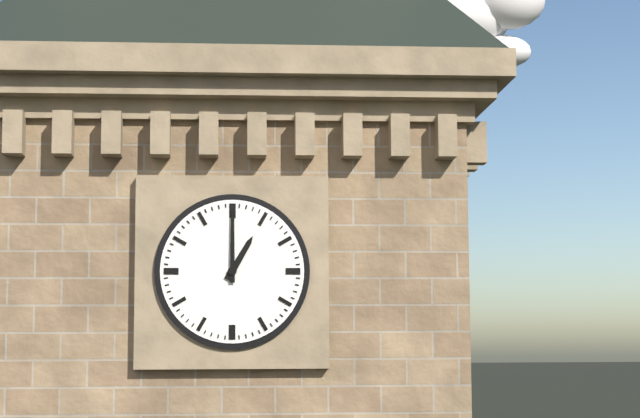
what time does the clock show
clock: 1:00
